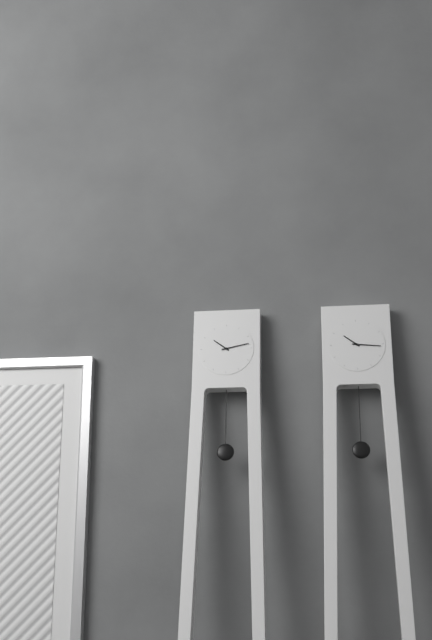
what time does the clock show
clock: 10:13
